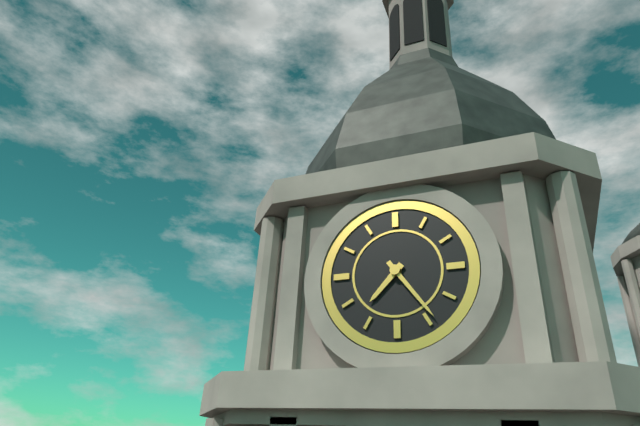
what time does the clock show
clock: 7:24
